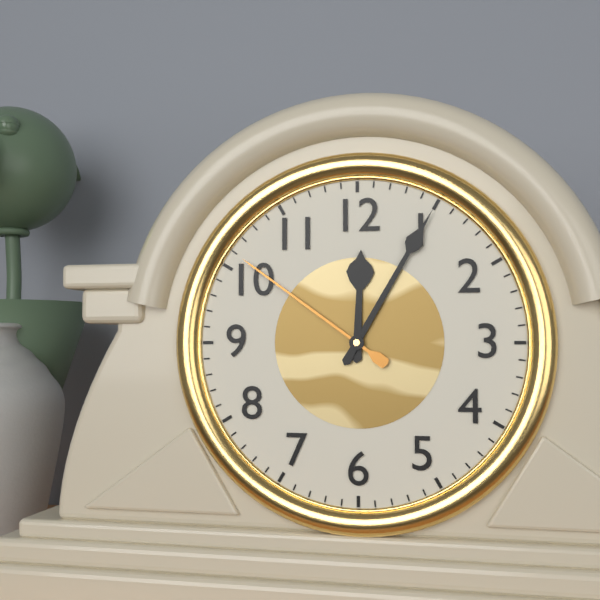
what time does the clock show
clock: 12:05:51
